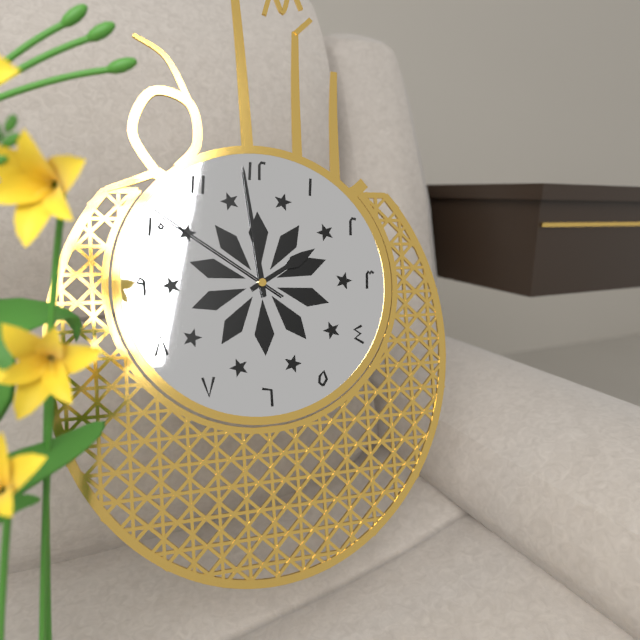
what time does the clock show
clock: 1:59:51
